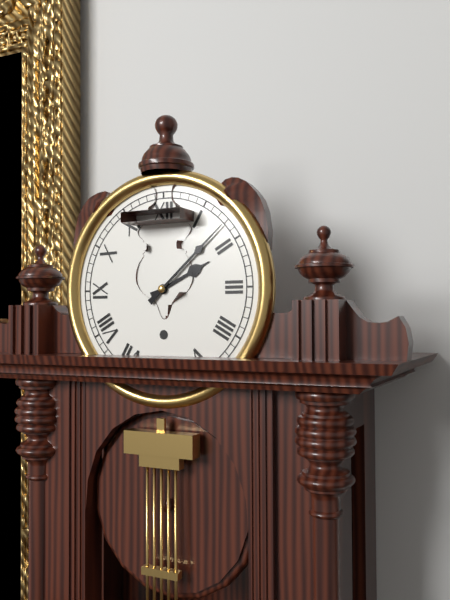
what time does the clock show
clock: 2:08
